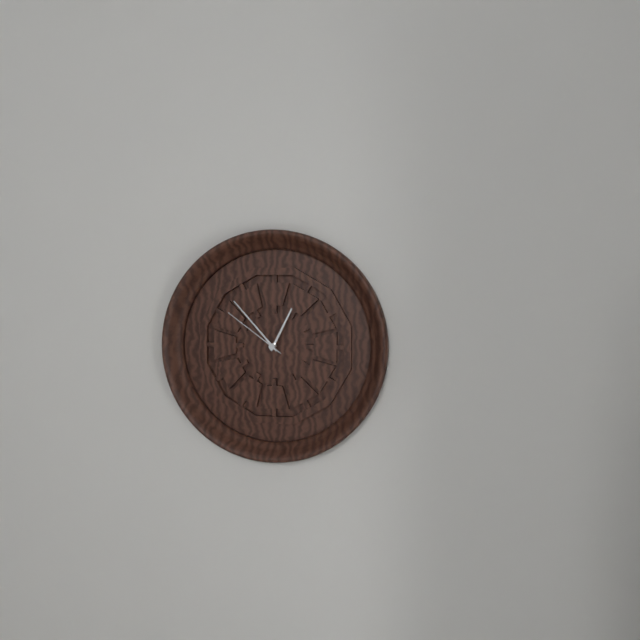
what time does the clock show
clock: 12:53:51
